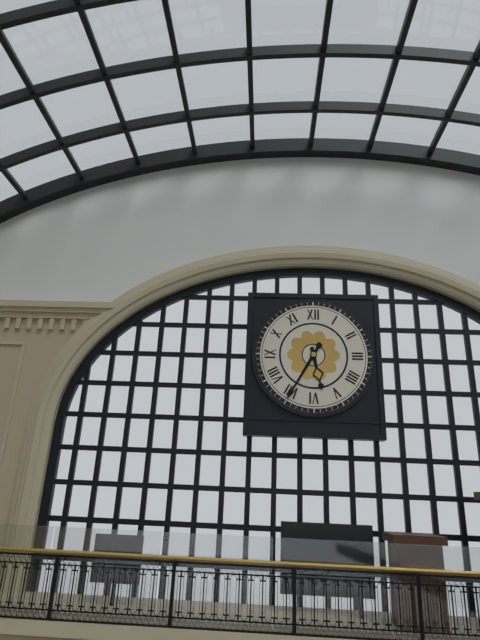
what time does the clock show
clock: 5:35
